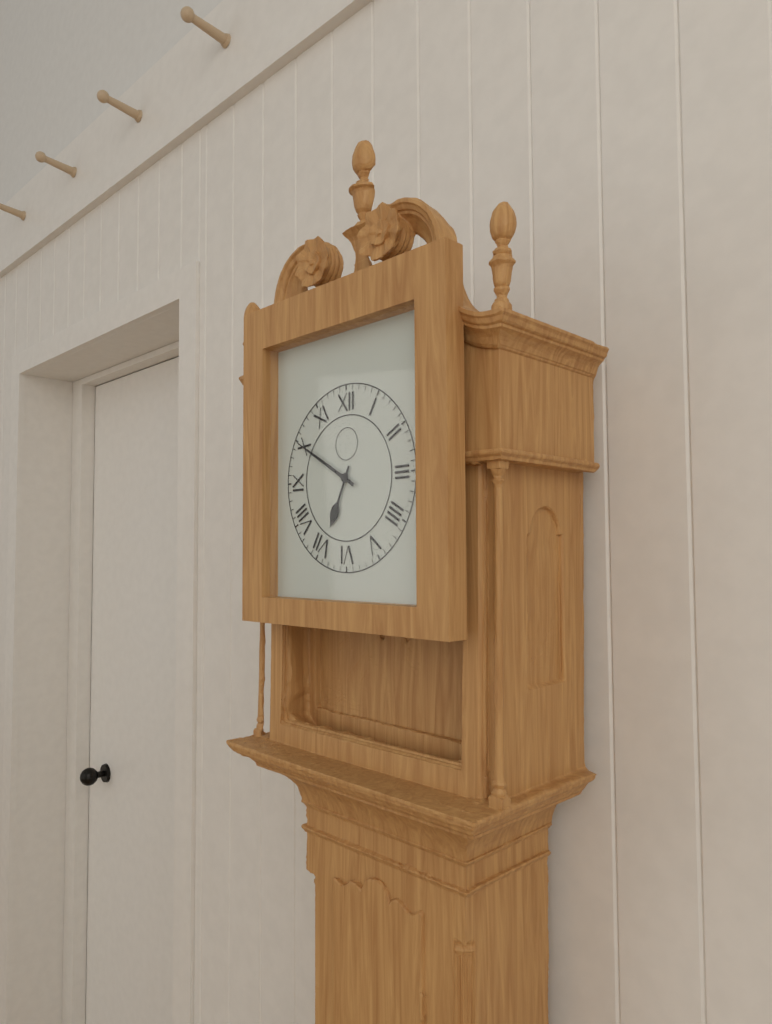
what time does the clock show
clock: 6:50
